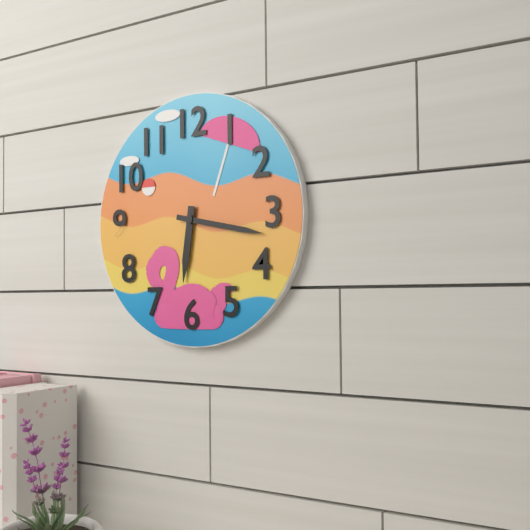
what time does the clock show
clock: 6:17
